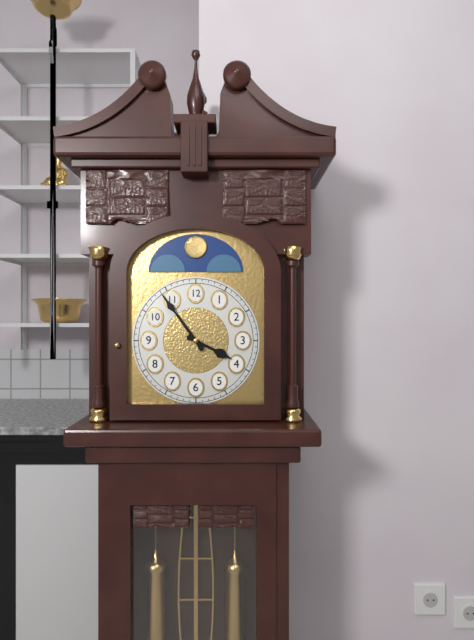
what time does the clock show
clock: 3:54
